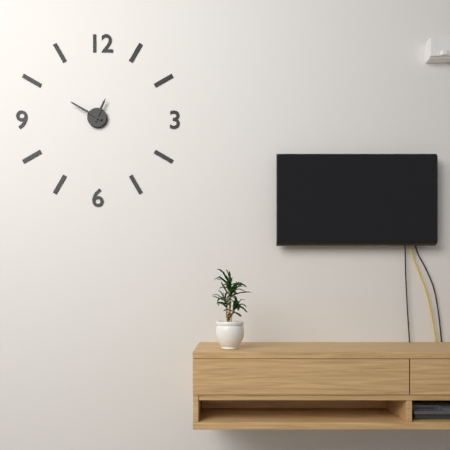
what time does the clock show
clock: 12:50
